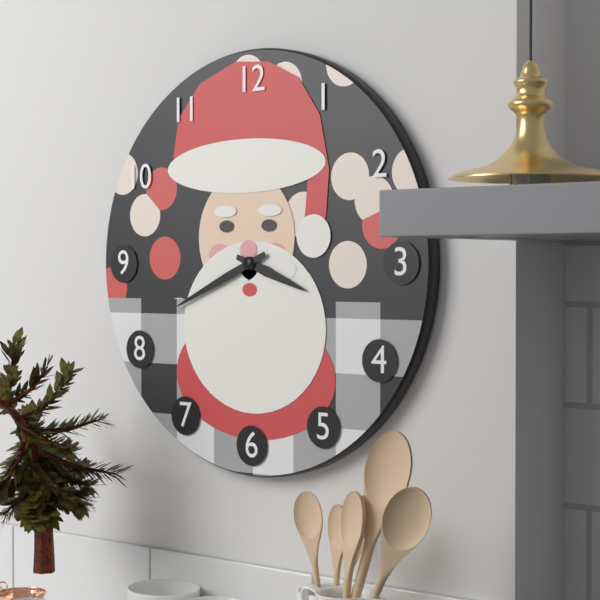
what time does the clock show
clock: 3:41
